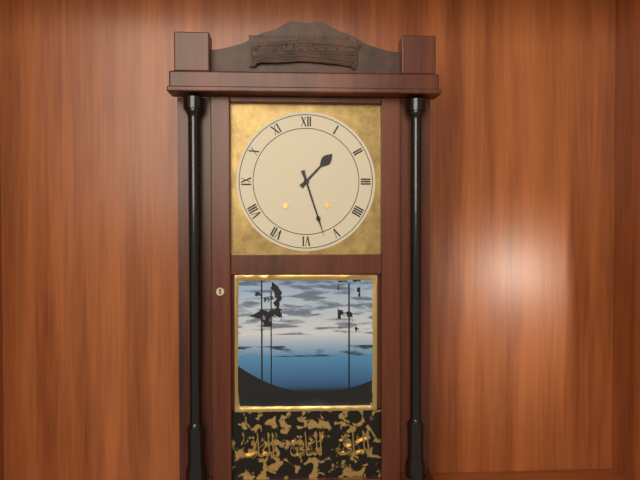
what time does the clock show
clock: 1:27
